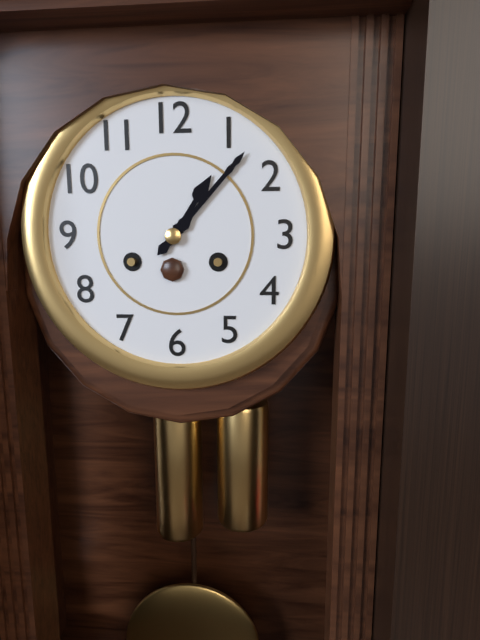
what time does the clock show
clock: 1:07
